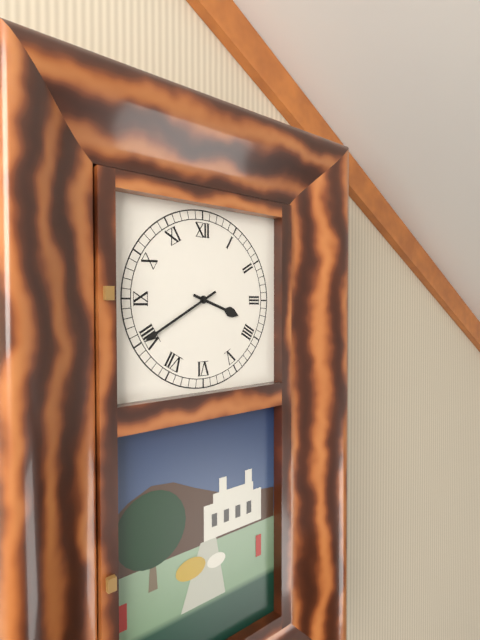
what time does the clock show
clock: 3:40
